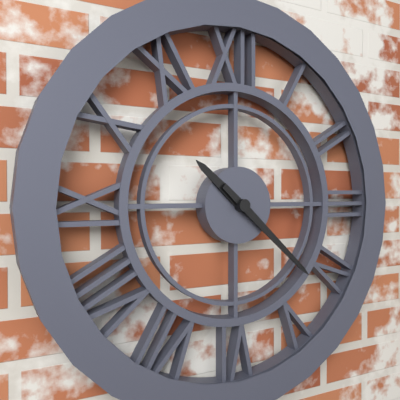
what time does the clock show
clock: 10:22
